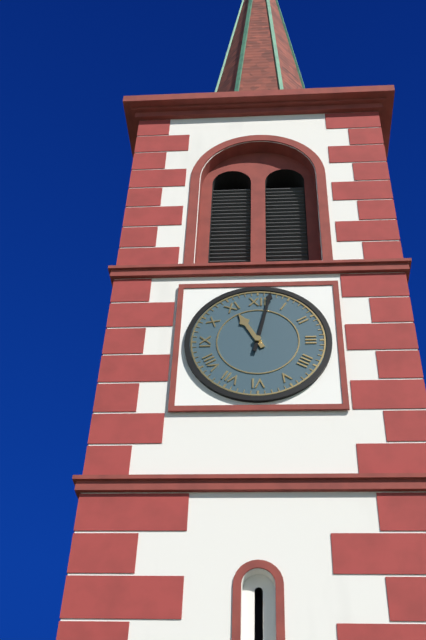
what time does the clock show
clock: 11:02
